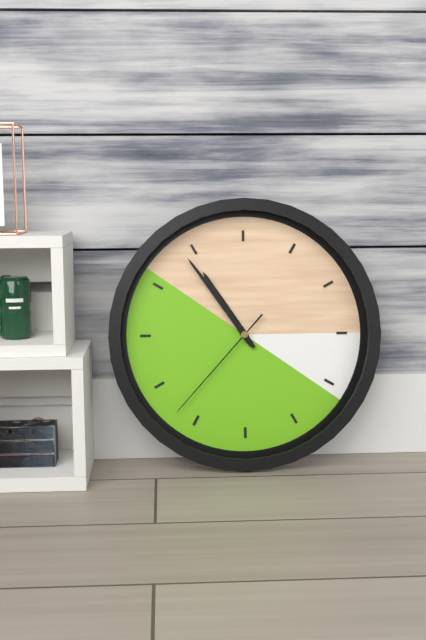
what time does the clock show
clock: 10:54:37
